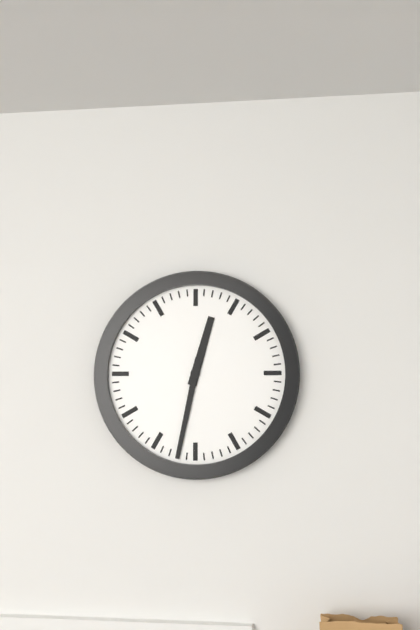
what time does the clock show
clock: 12:32
